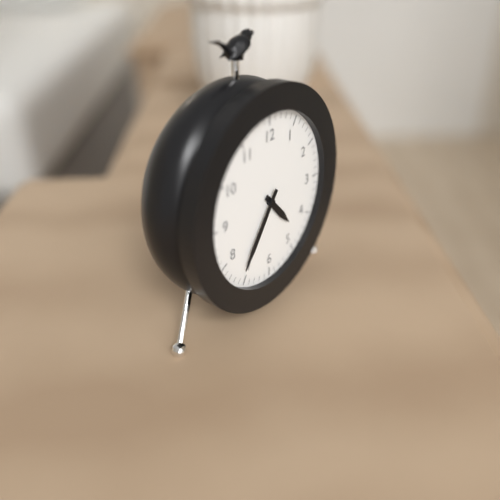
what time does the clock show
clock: 4:36
